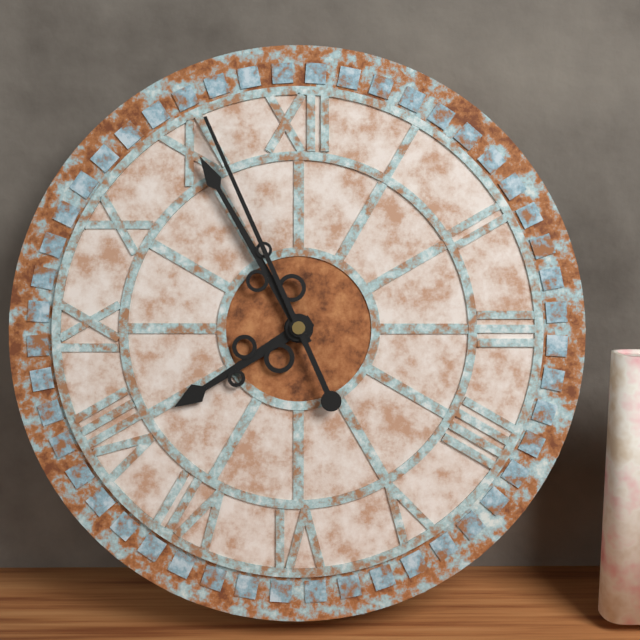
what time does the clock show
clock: 7:55:56
